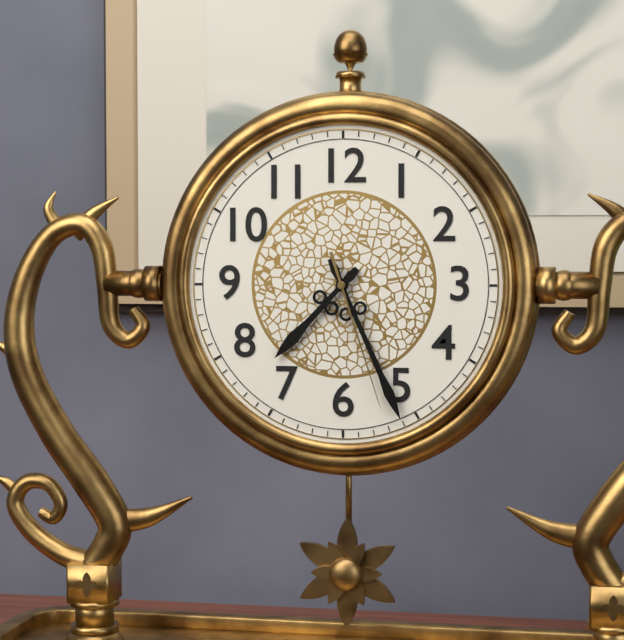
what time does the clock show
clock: 7:26:27
